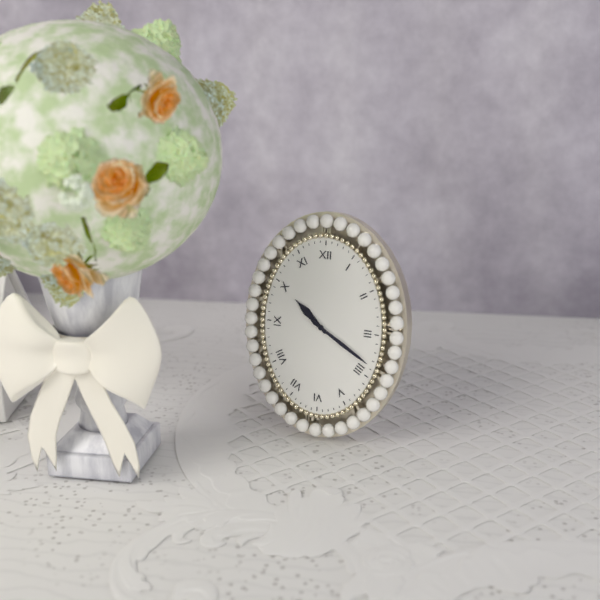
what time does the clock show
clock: 10:20
